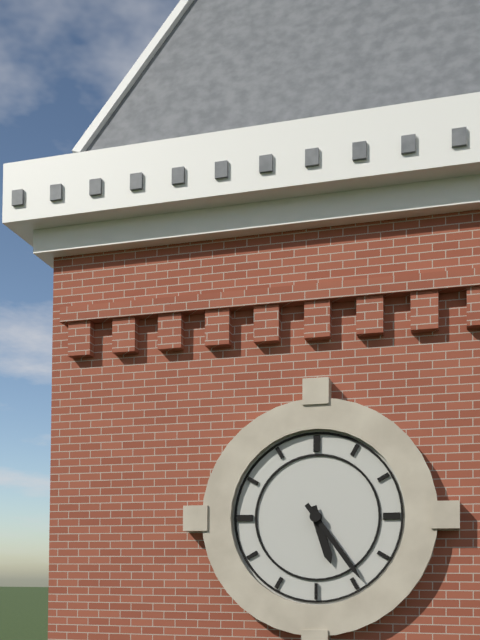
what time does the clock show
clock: 5:24
